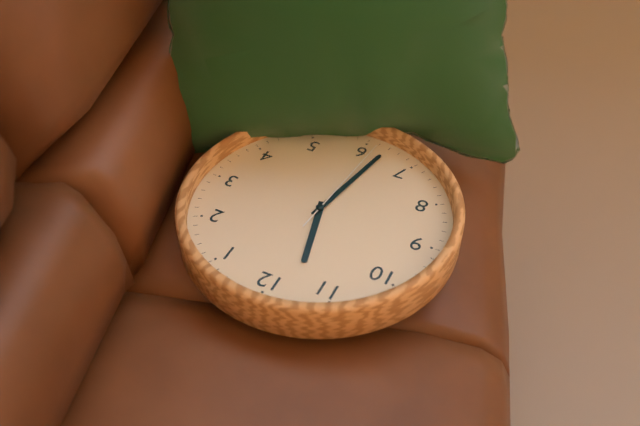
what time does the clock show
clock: 11:32:31
